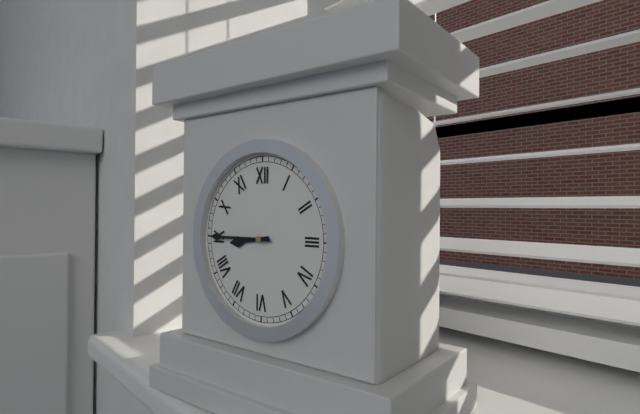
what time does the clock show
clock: 8:45
